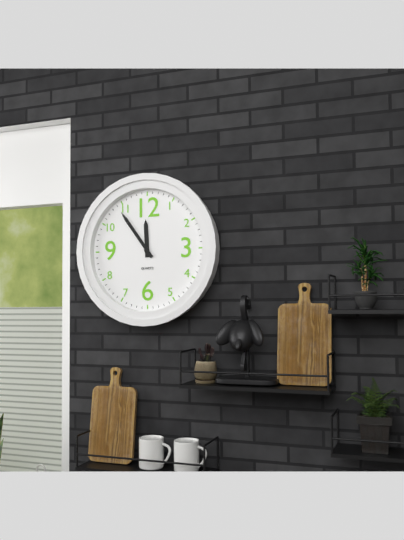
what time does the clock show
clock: 11:54
